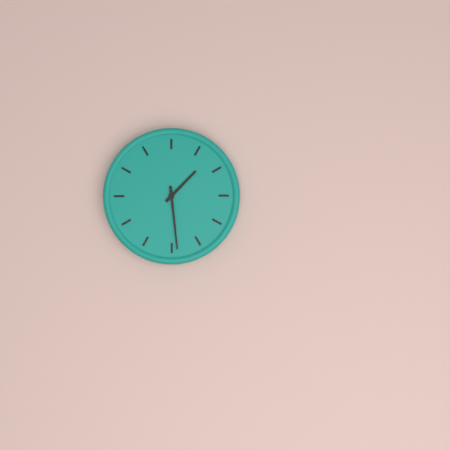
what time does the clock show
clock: 1:29
